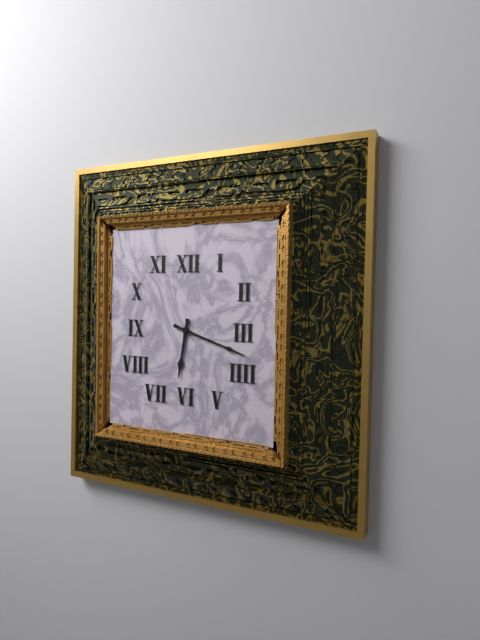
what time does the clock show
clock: 6:18
